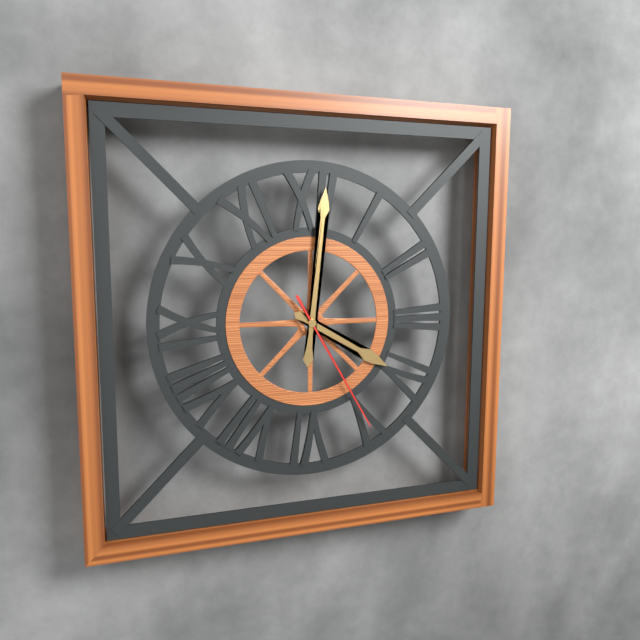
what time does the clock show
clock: 4:01:25
